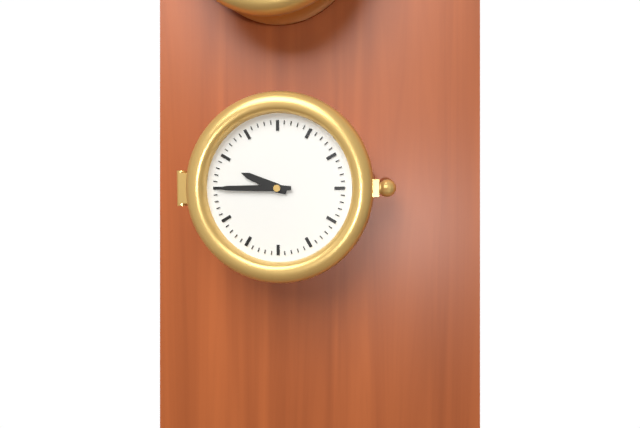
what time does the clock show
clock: 9:45
